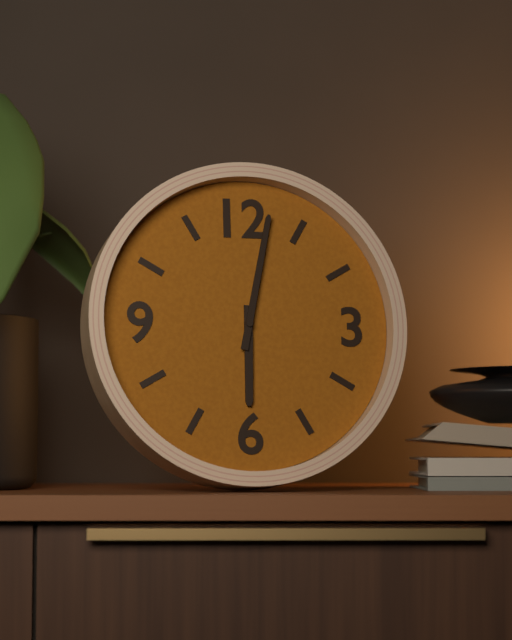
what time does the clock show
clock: 6:02
